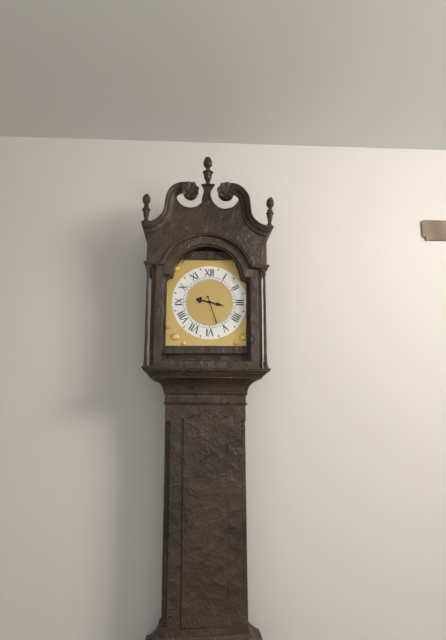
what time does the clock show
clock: 3:27
